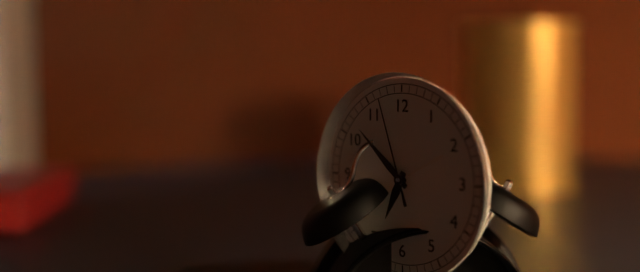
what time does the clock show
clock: 6:52:57
